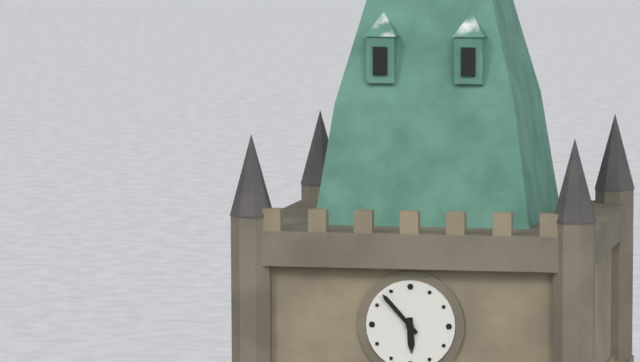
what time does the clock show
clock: 5:53
